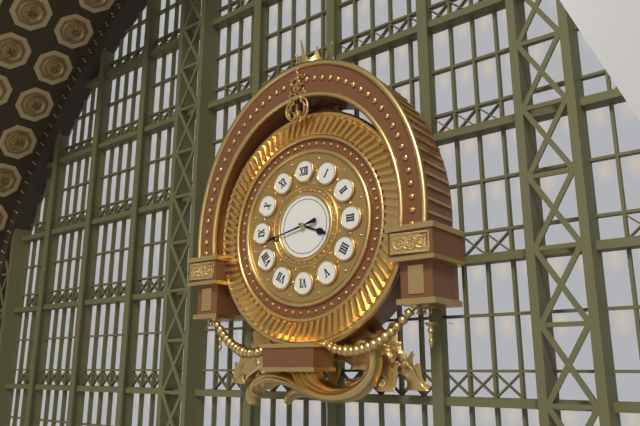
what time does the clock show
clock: 3:43
